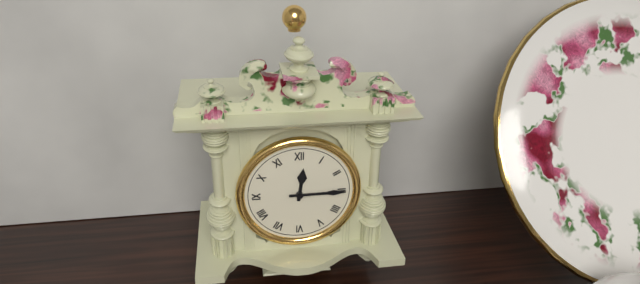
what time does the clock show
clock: 12:15
